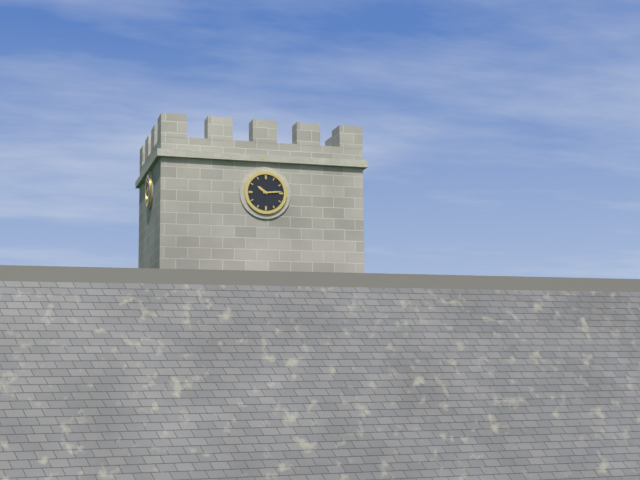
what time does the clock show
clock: 10:14
